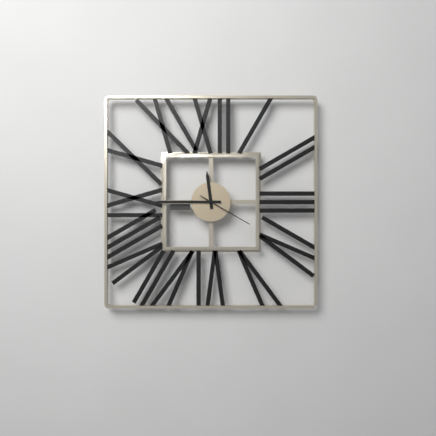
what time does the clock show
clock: 11:45:20
